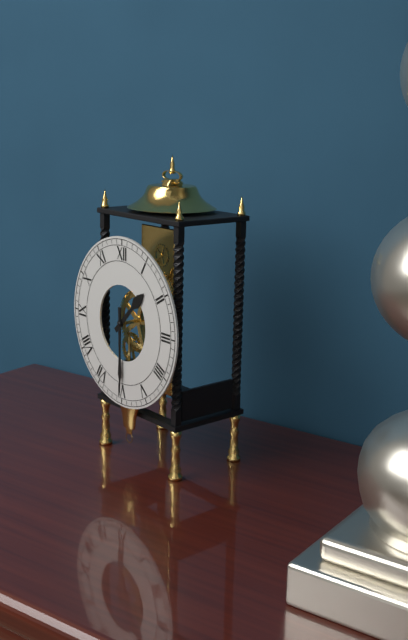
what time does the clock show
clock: 1:30
